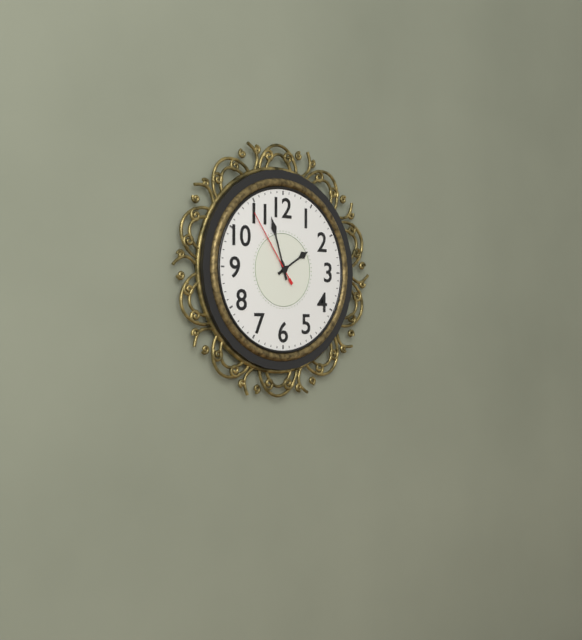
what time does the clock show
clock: 1:57:54
